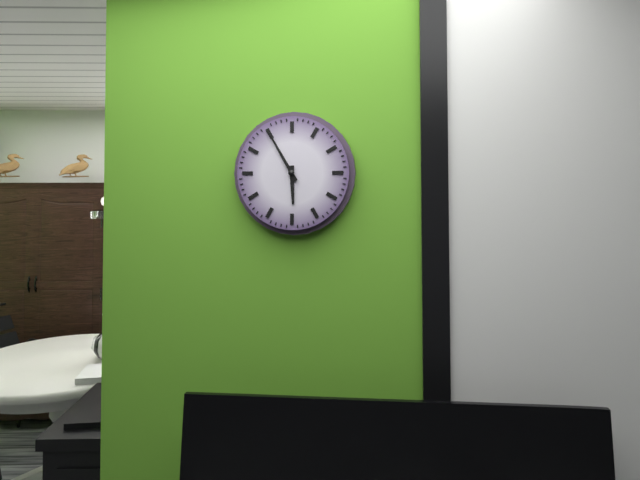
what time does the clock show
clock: 5:55
